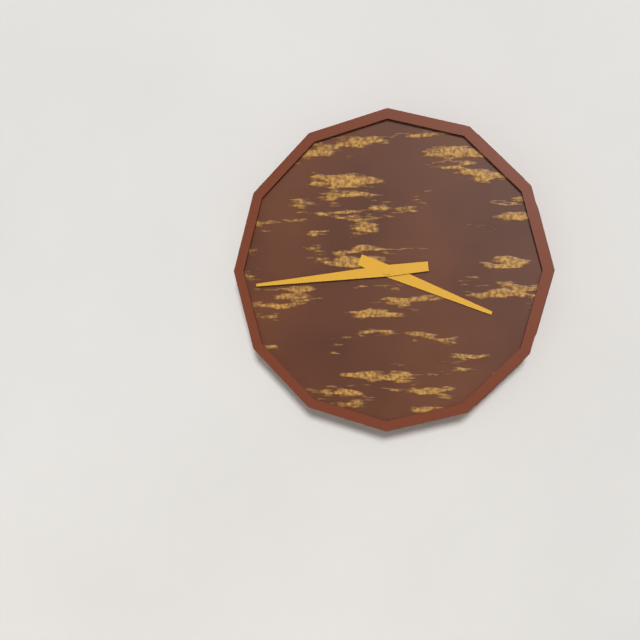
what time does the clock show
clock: 3:44
